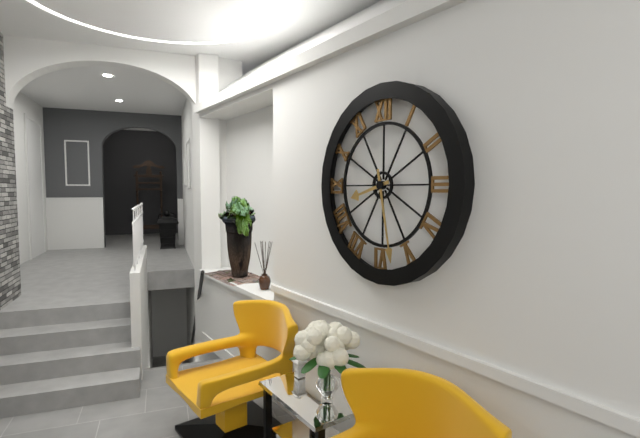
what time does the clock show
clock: 8:28
